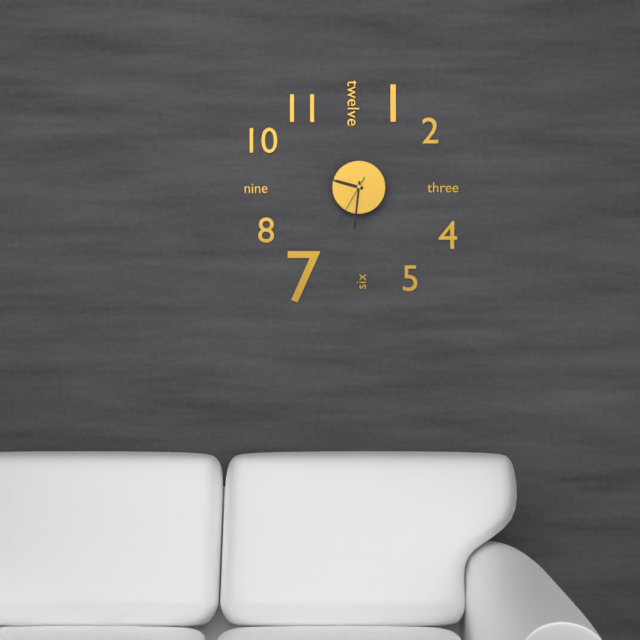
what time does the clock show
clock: 9:31:35
